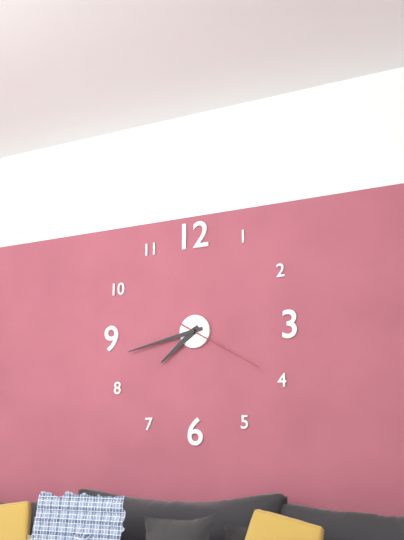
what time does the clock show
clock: 7:43:20
